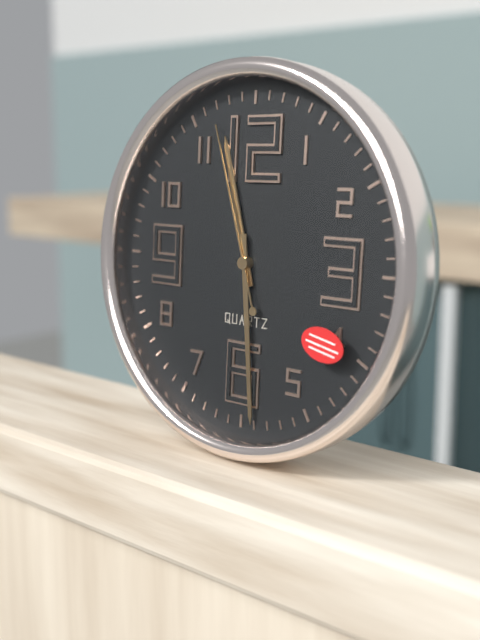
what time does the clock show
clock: 11:29:57
